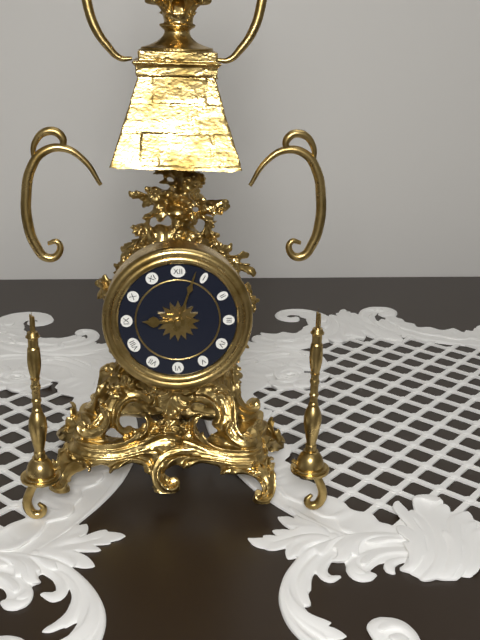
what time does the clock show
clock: 9:03
